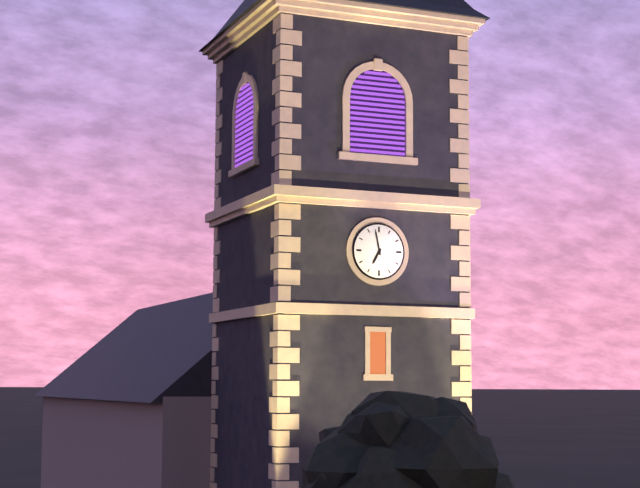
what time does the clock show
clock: 6:58
